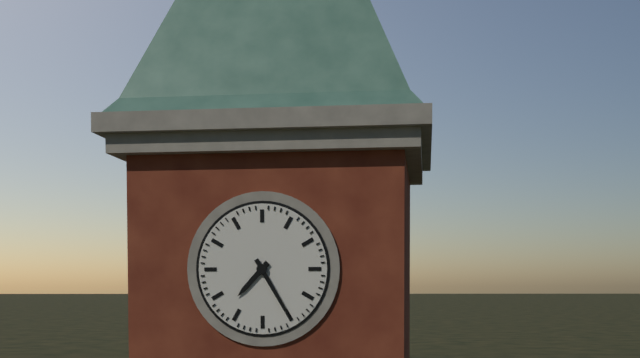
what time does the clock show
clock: 7:25
